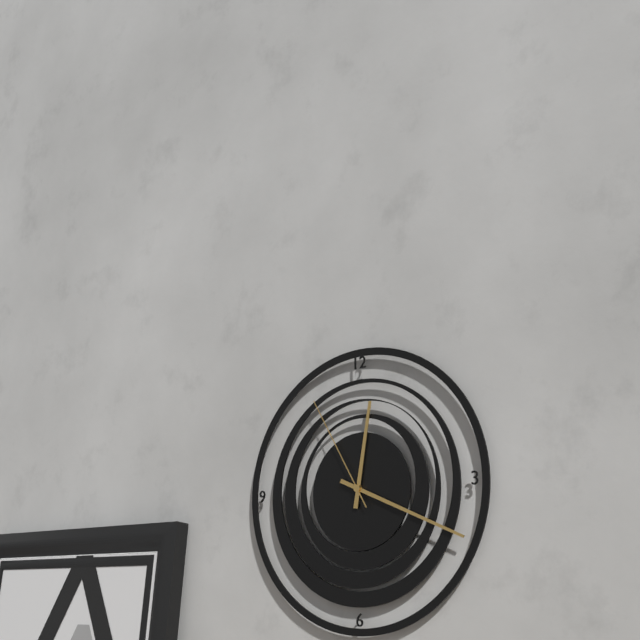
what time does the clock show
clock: 12:19:55
